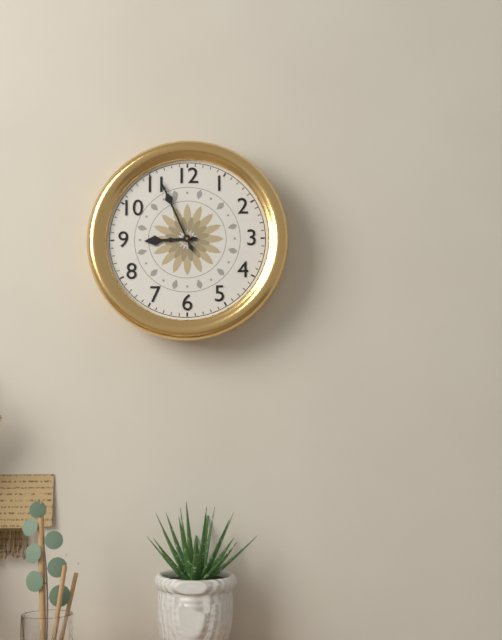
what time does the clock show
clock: 8:56
